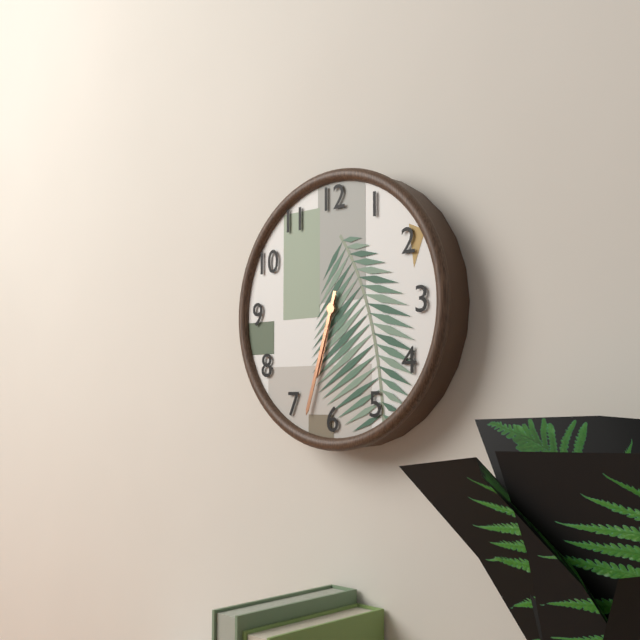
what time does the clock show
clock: 6:33
